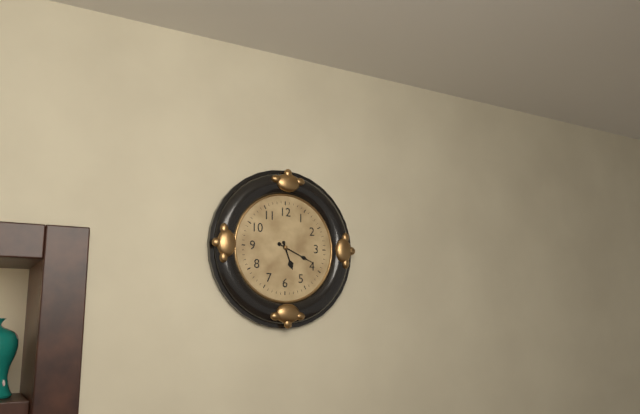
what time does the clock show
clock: 5:19
